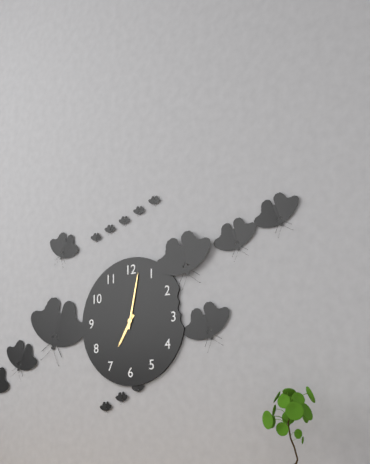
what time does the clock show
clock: 7:02
